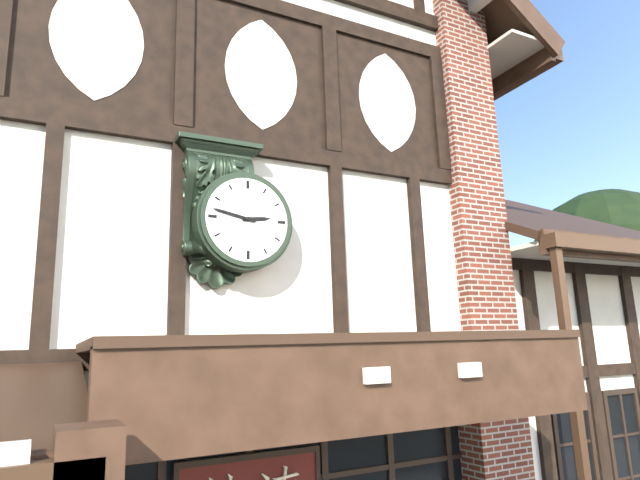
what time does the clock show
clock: 2:47
